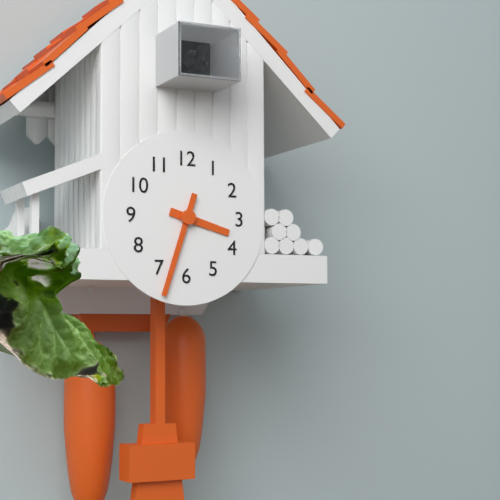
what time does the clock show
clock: 3:33
